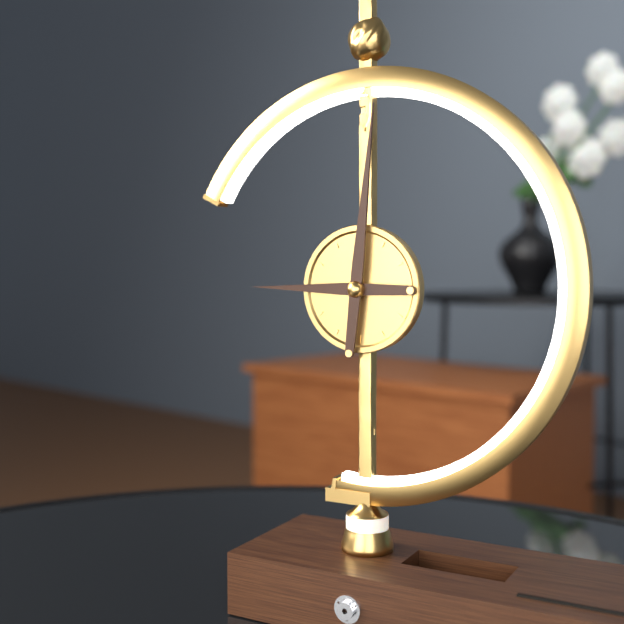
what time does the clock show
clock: 9:01
